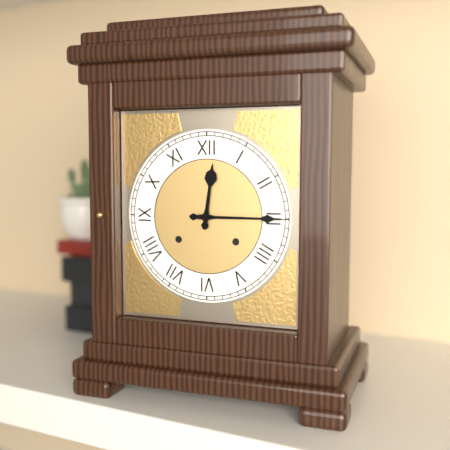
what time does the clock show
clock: 12:15
